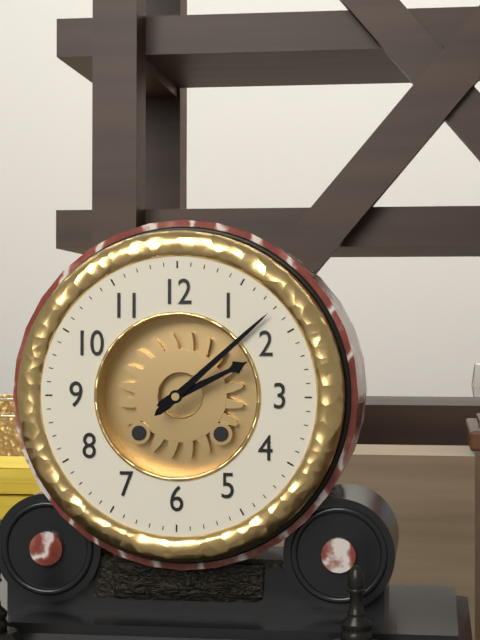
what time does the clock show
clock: 2:08
